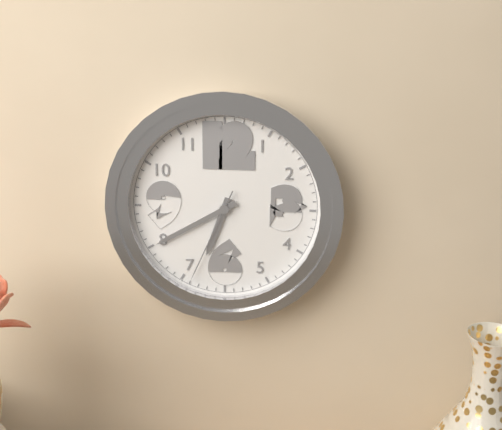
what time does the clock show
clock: 6:40:34
